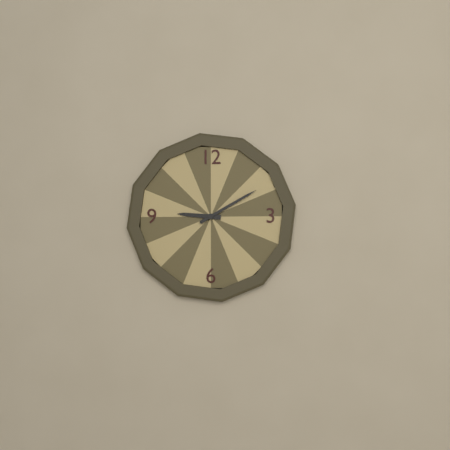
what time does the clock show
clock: 9:10
